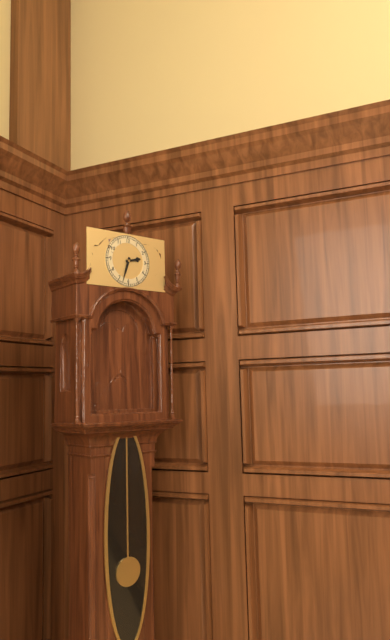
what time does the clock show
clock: 2:33
